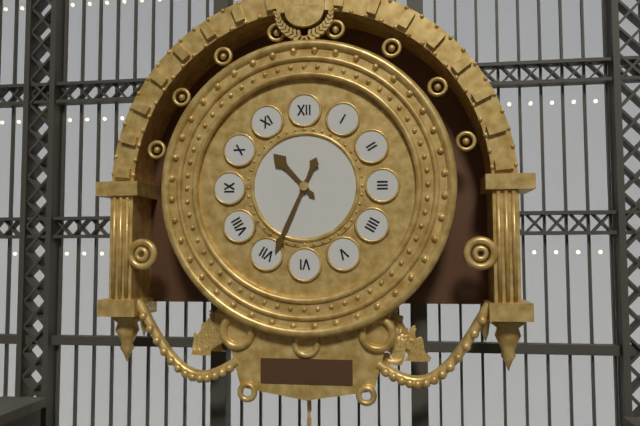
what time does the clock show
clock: 10:34
